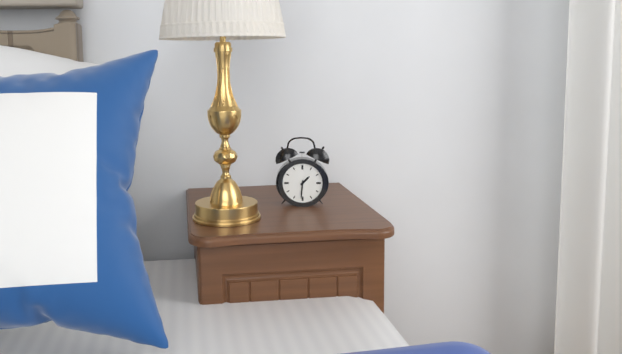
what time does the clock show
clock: 1:31
